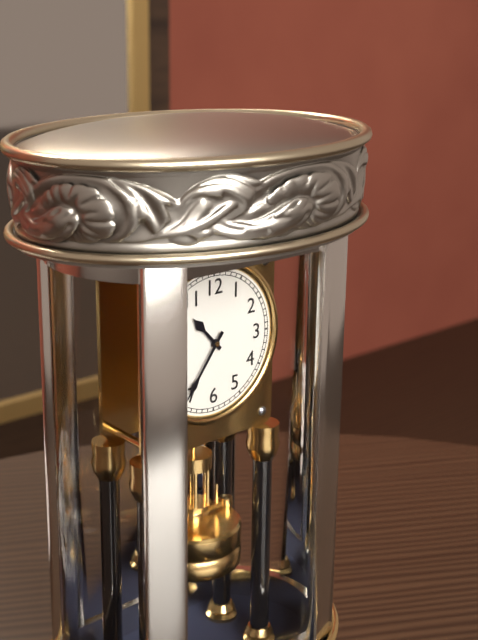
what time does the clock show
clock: 10:36
